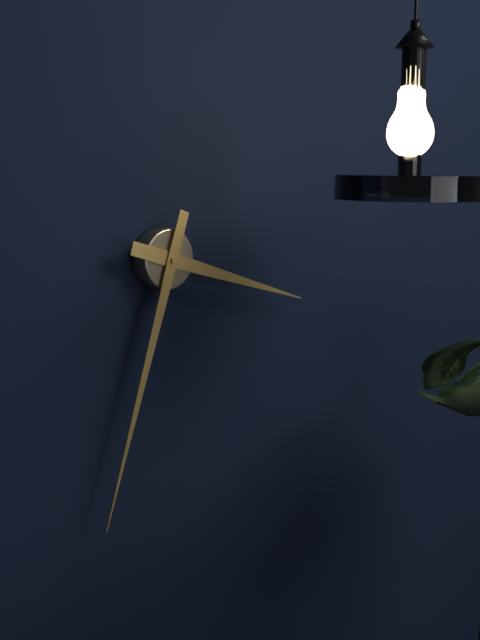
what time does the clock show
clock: 3:33
